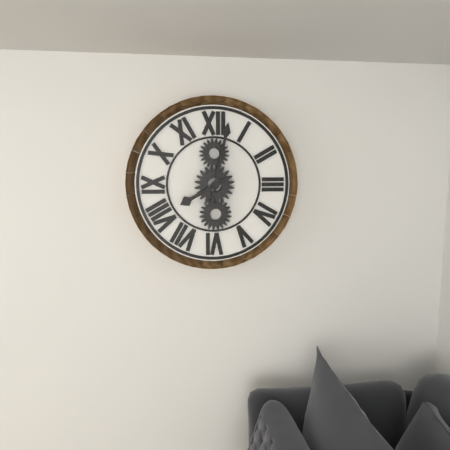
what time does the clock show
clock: 8:02
